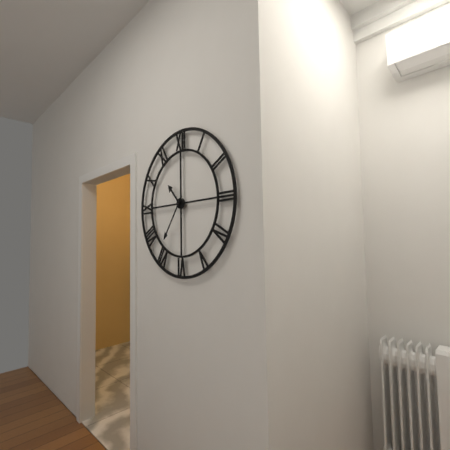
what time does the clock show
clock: 10:36
